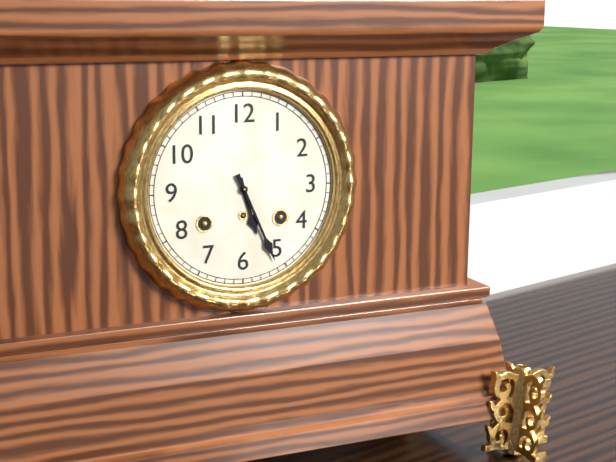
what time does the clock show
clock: 5:26
